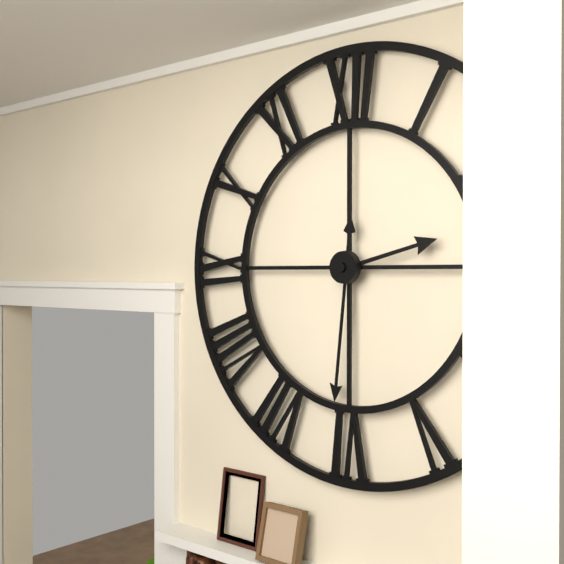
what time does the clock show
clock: 2:31
